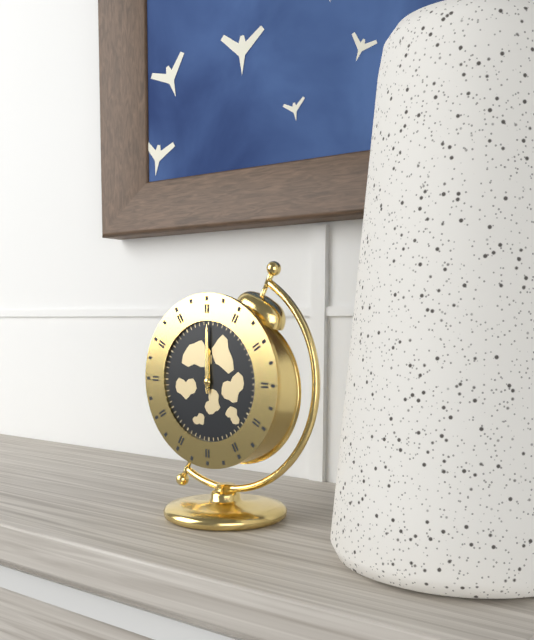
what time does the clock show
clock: 12:00
